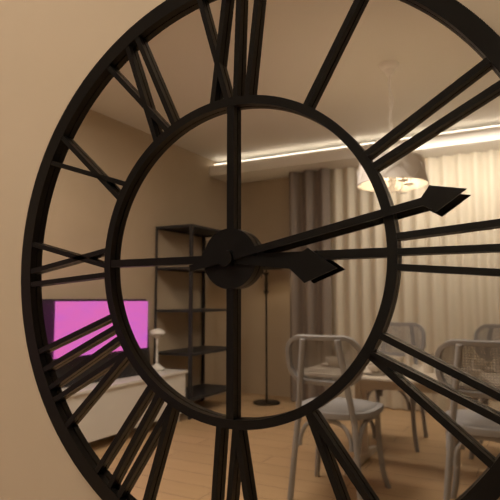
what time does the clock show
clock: 3:13
